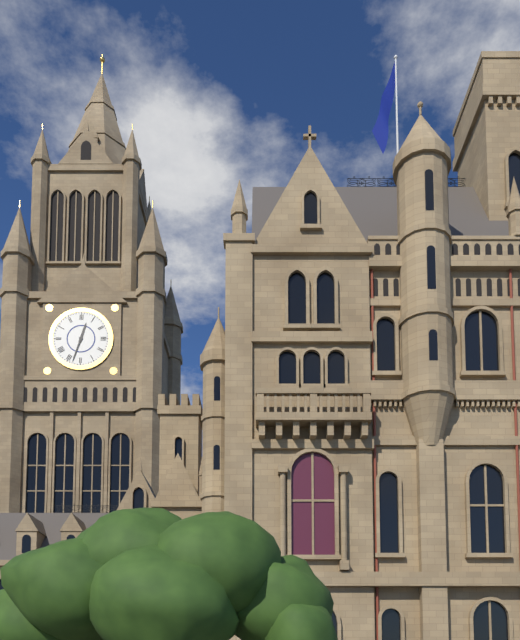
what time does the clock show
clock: 12:33
